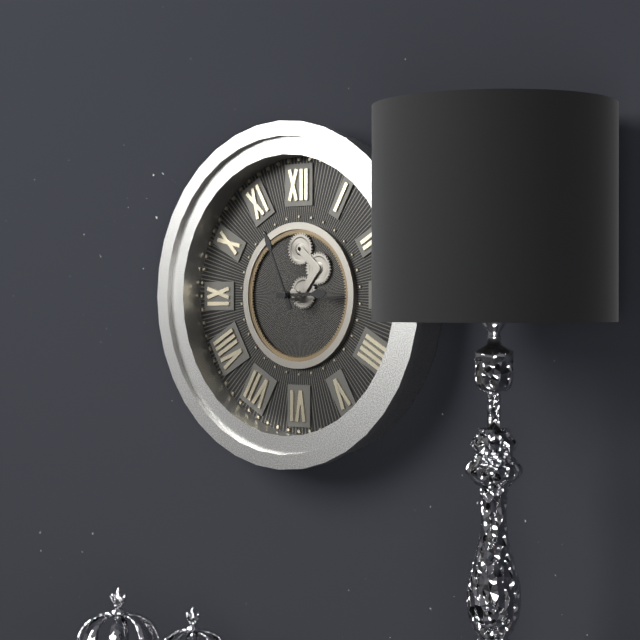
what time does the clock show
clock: 2:56
